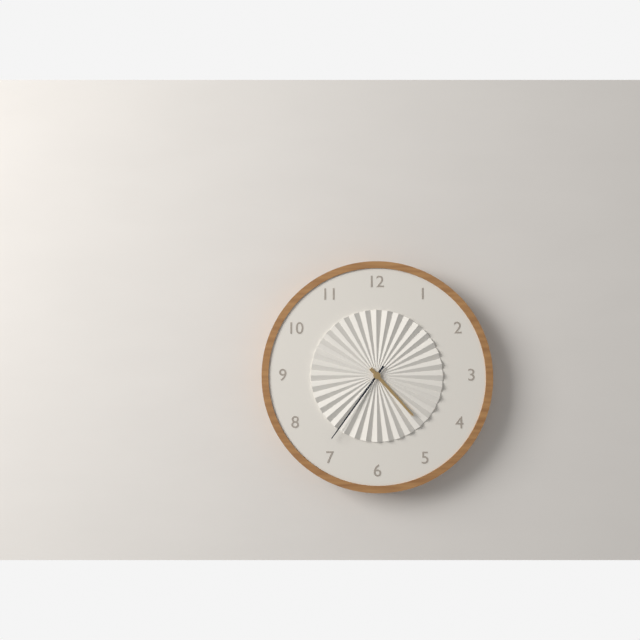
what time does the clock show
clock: 4:36
